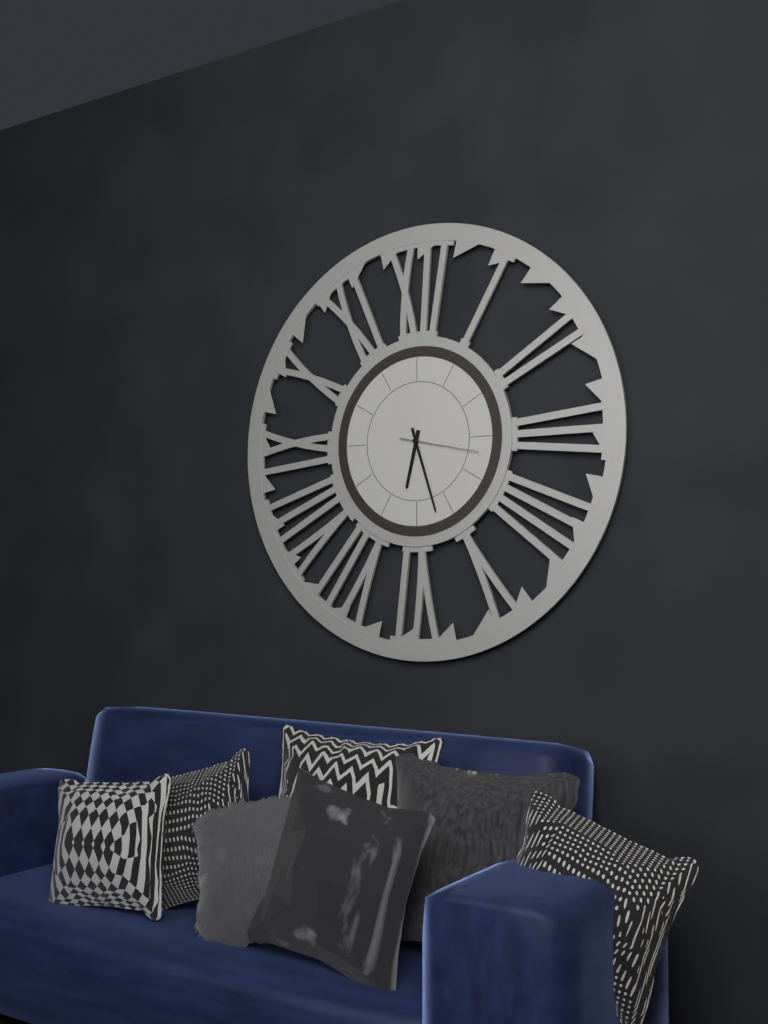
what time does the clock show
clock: 6:27:17
